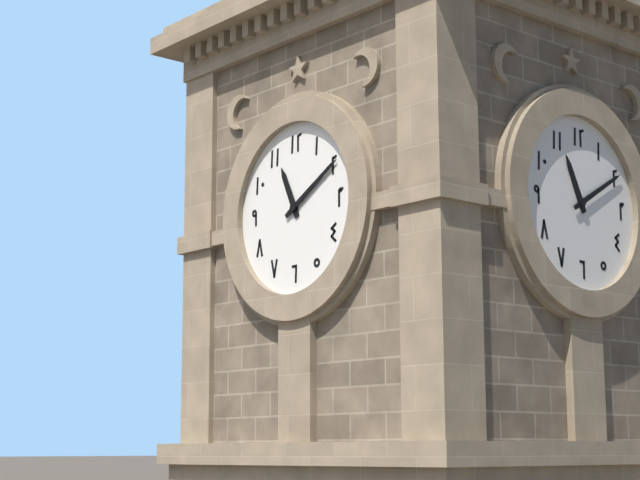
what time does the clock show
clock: 11:10
